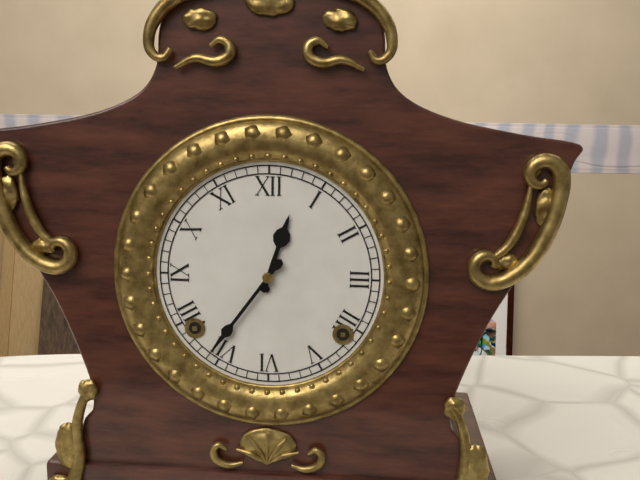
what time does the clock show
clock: 12:36
